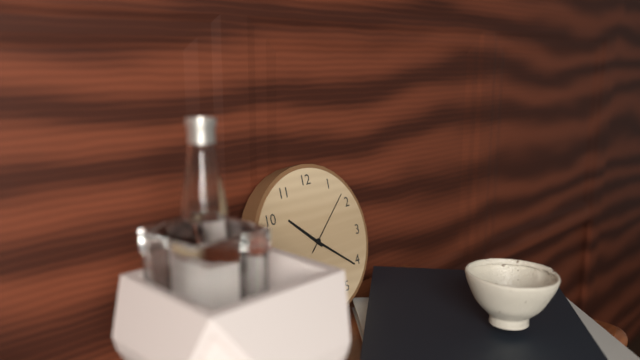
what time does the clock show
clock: 10:21:08
